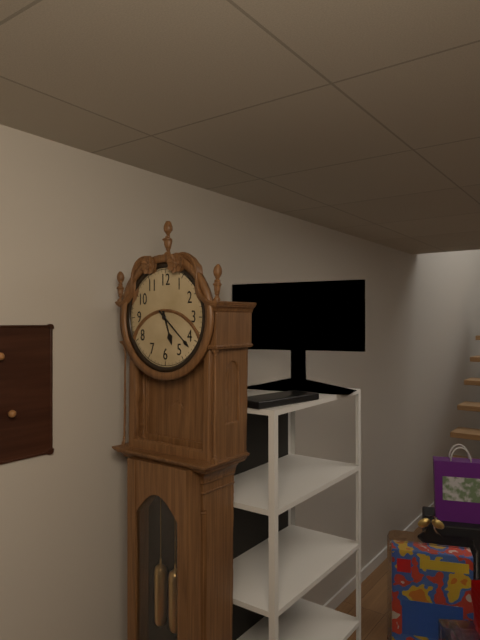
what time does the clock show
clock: 5:22
